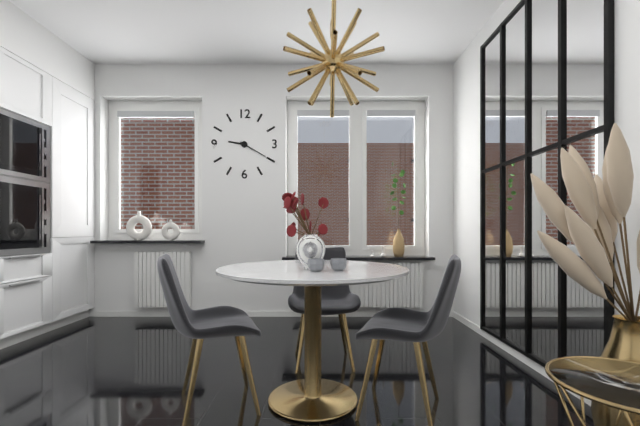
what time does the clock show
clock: 9:20
